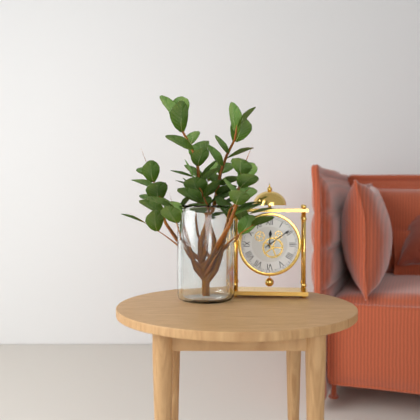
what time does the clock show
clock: 12:09
